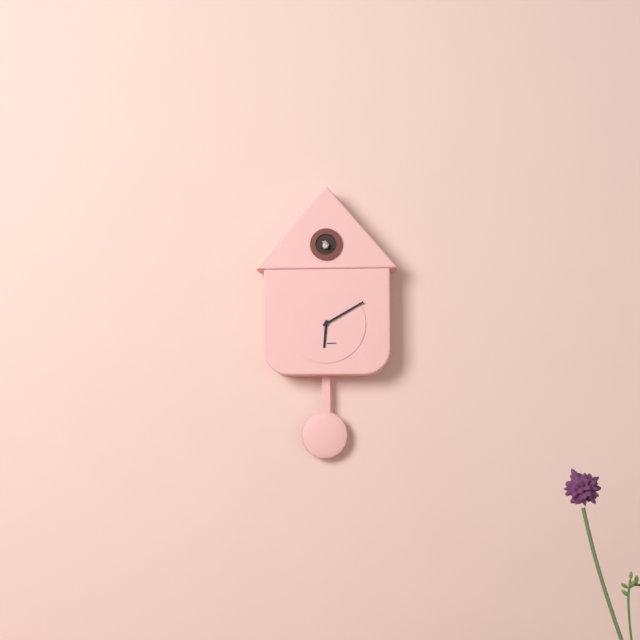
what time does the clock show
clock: 6:10
